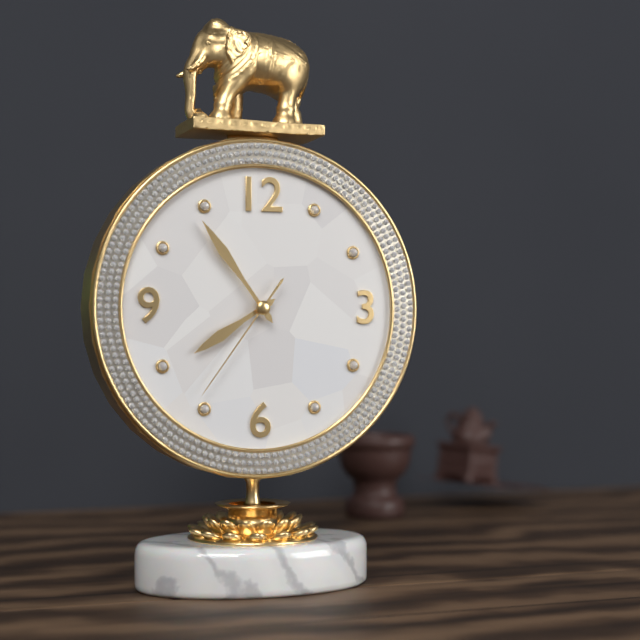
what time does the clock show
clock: 7:54:36
